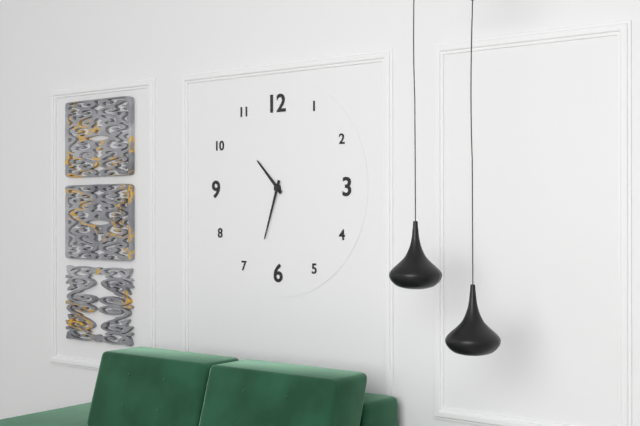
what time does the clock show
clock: 10:33
